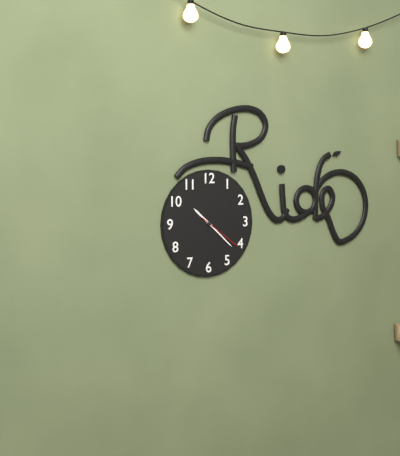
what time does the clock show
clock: 10:22
